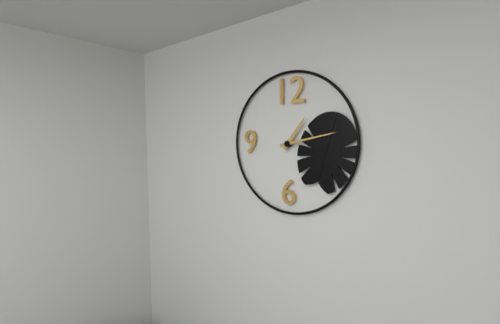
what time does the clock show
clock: 1:13
